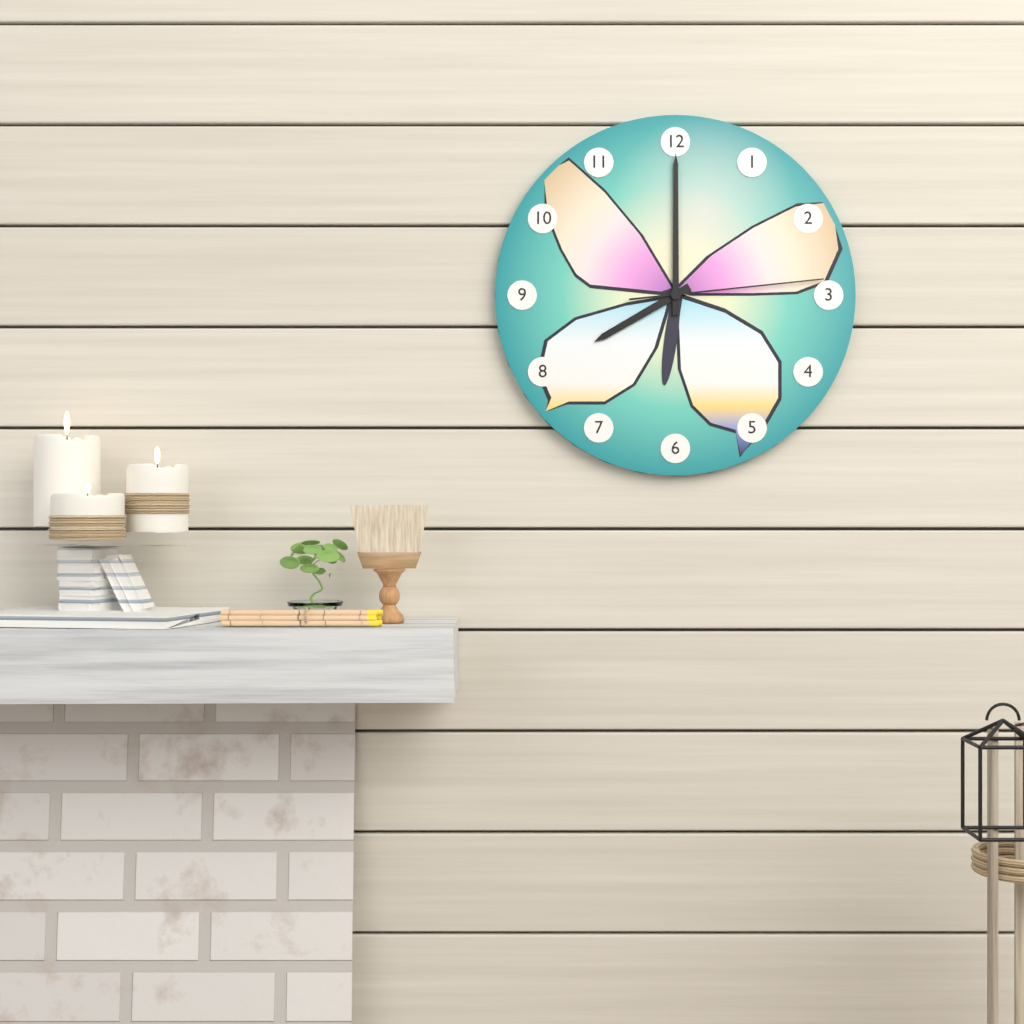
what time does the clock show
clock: 8:00:14
